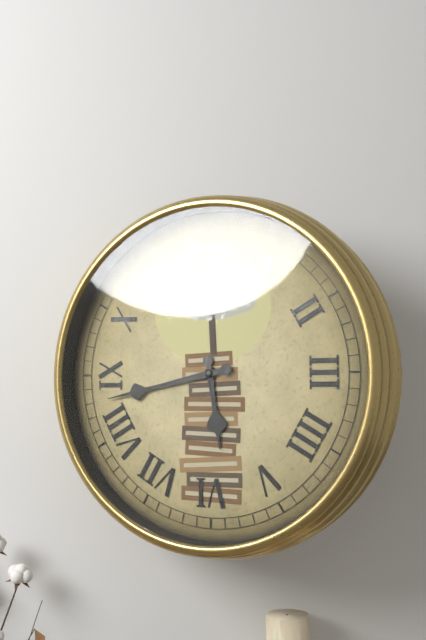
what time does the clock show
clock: 5:43
